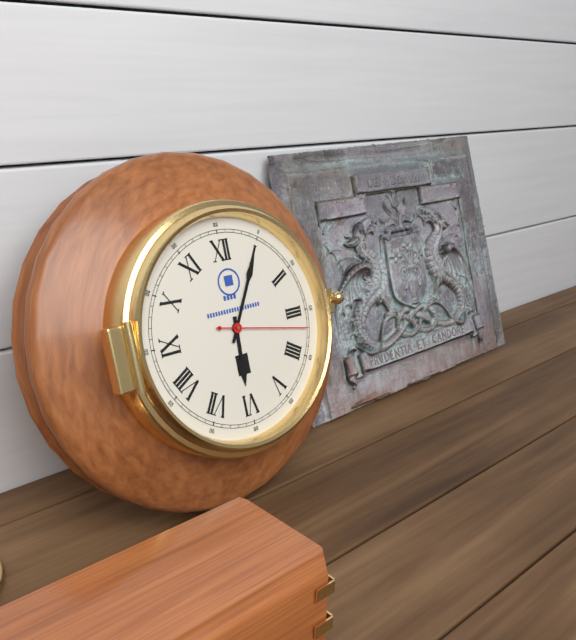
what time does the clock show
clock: 6:05:17
